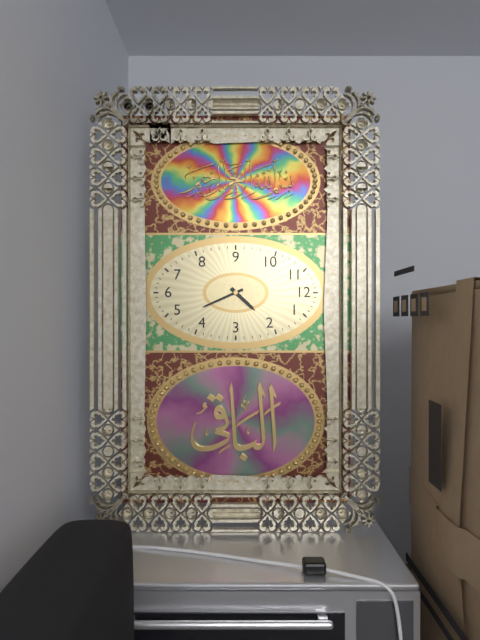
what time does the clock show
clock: 1:26
